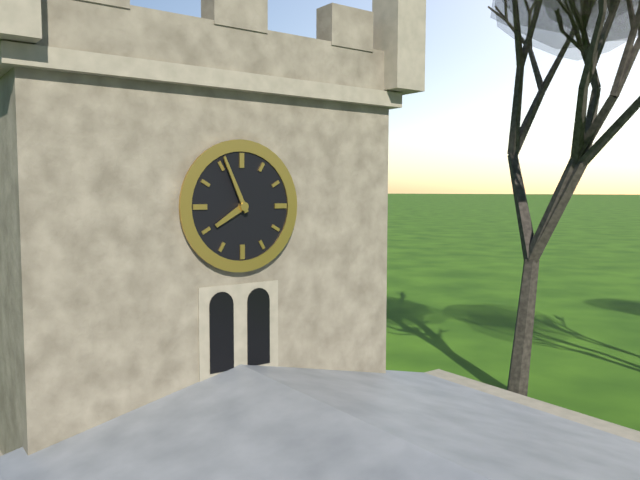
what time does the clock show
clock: 7:56
